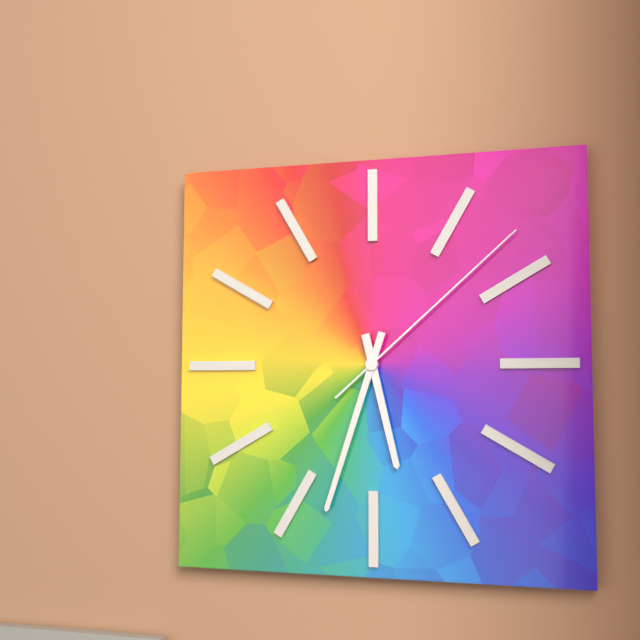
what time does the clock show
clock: 5:33:08
